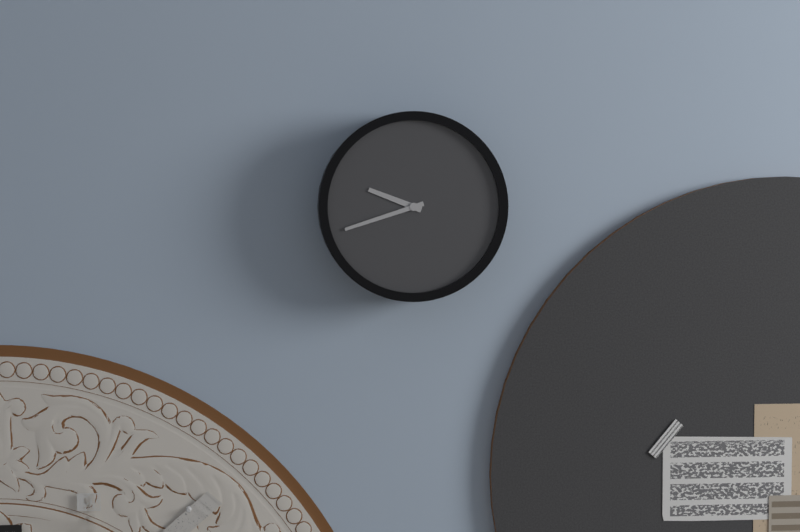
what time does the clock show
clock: 9:42
